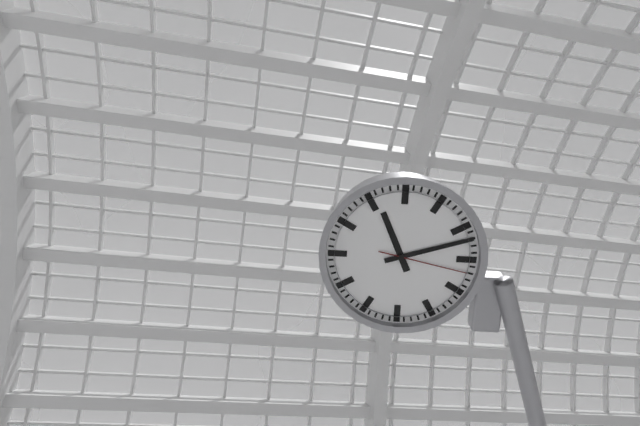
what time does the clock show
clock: 11:12:17
